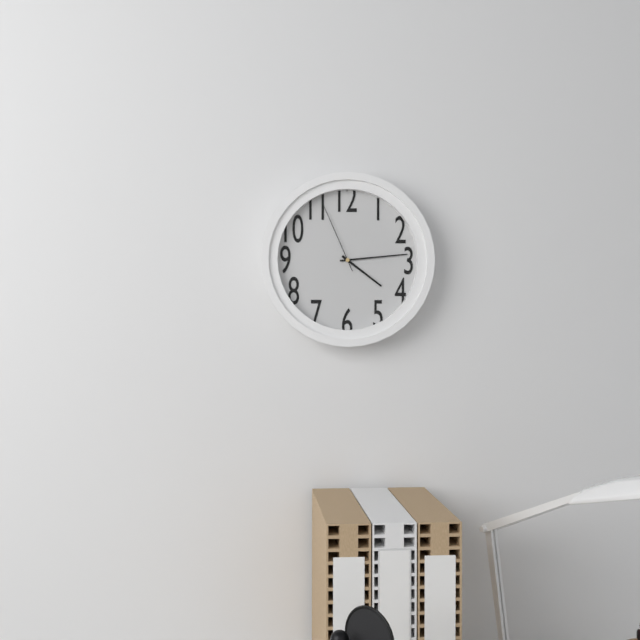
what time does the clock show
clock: 4:14:56
